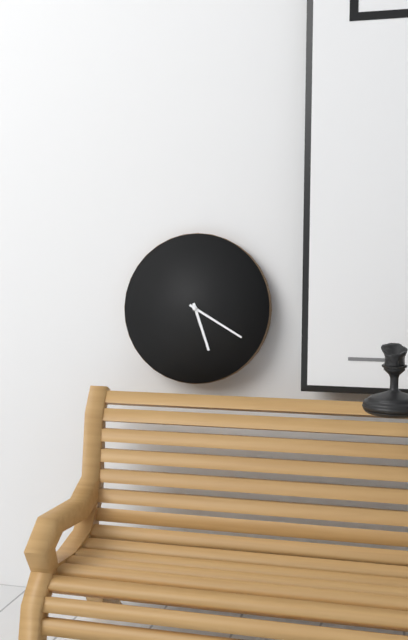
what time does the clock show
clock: 5:20
